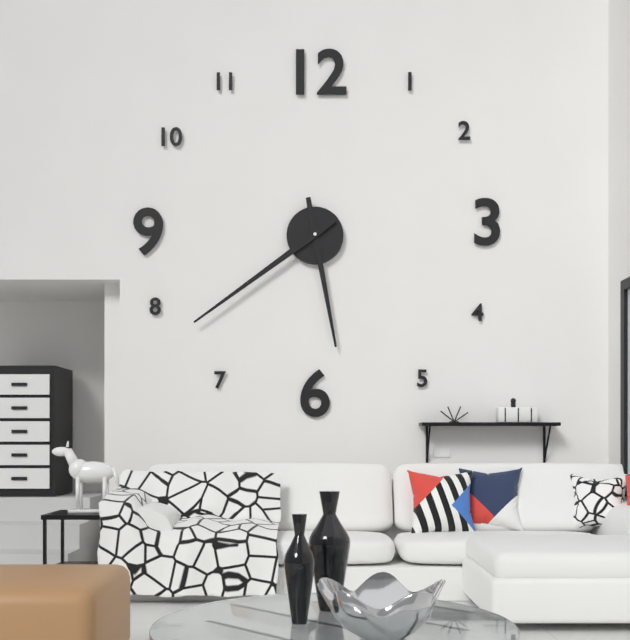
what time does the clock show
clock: 5:39
